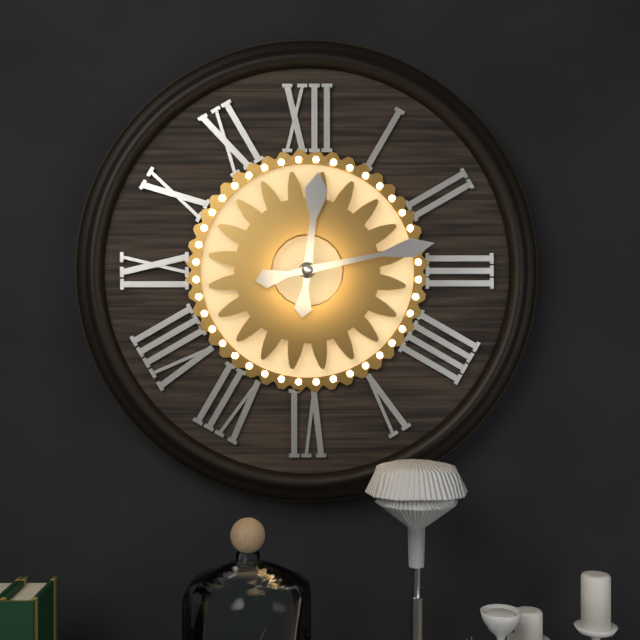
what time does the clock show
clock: 12:13
